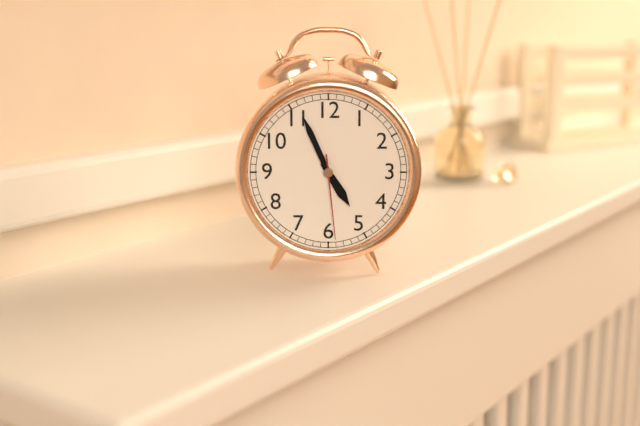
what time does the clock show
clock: 4:56:29
